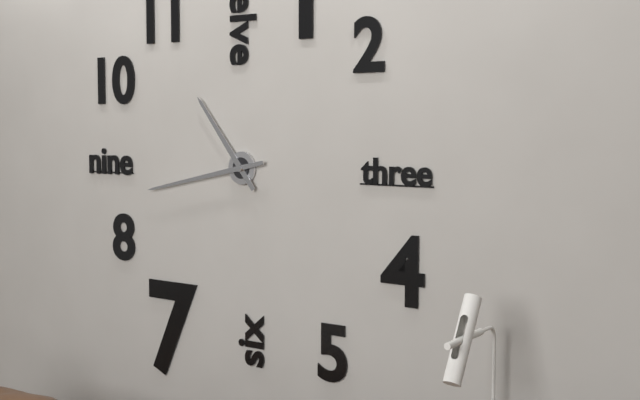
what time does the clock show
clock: 10:43
